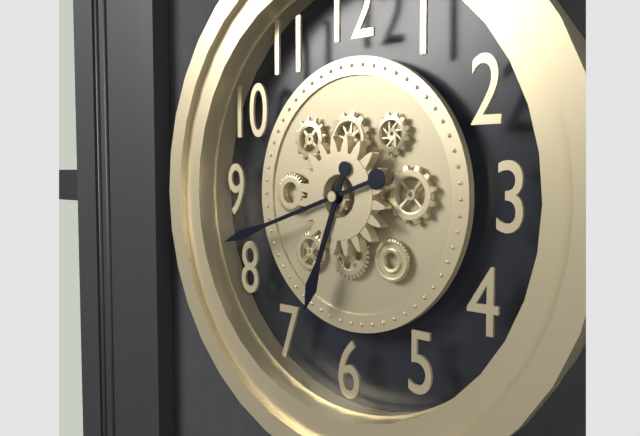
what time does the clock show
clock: 6:42
